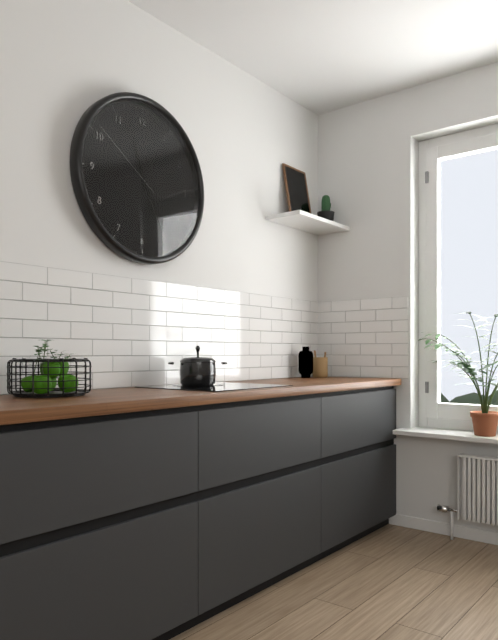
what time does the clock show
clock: 11:25:51
